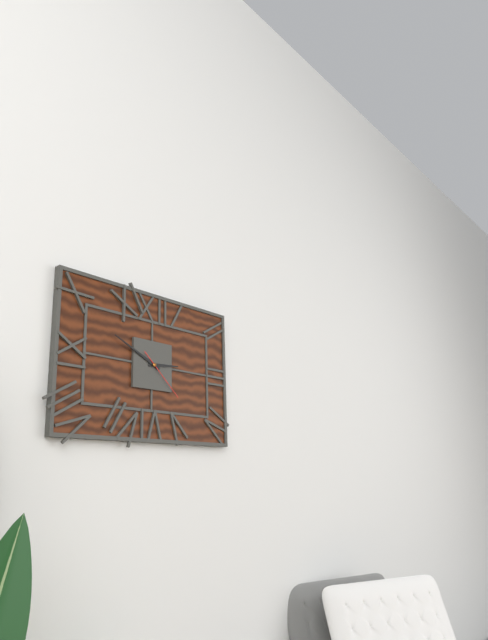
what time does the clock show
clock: 2:49:22
